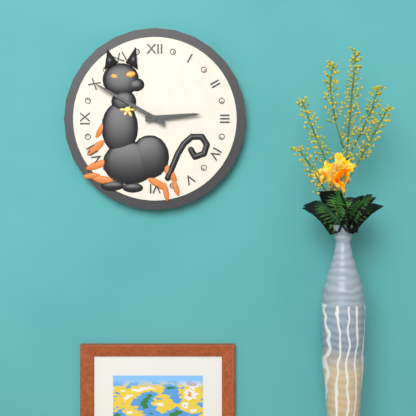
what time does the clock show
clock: 2:50
